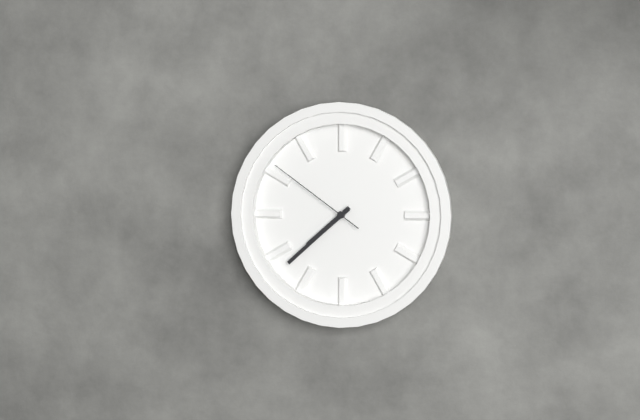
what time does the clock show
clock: 7:38:51
